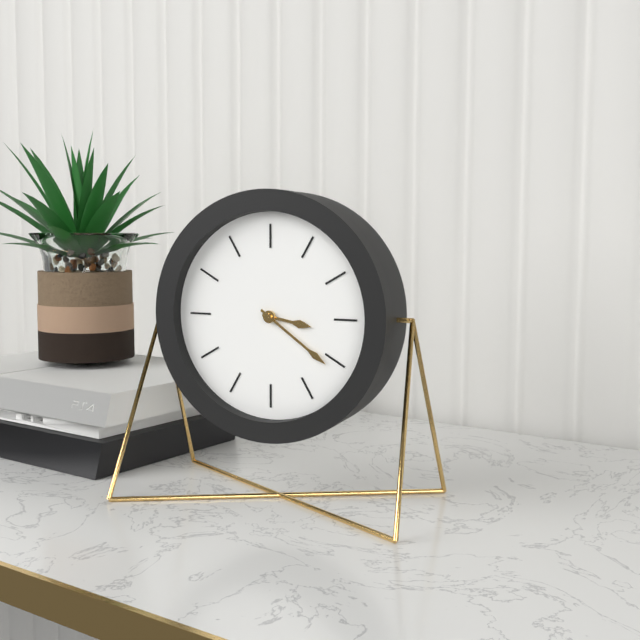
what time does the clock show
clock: 3:21
